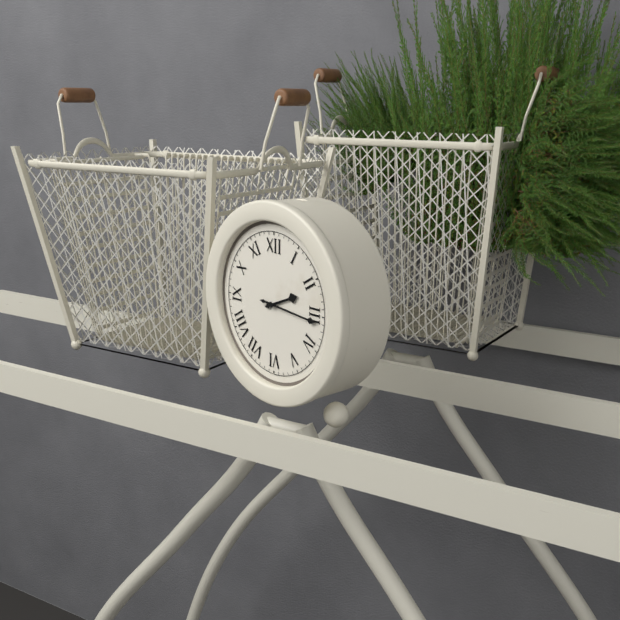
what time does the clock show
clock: 2:16
